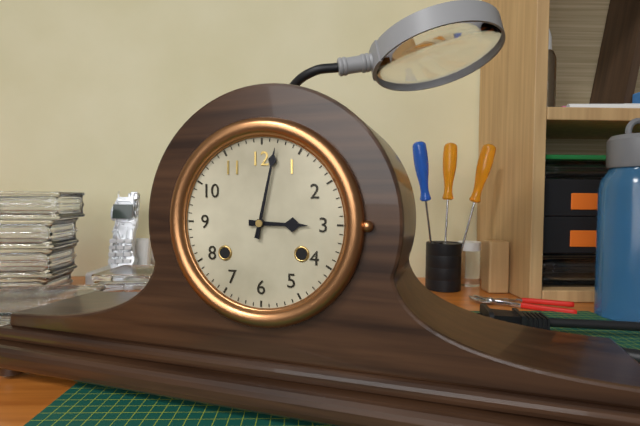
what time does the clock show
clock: 3:02
